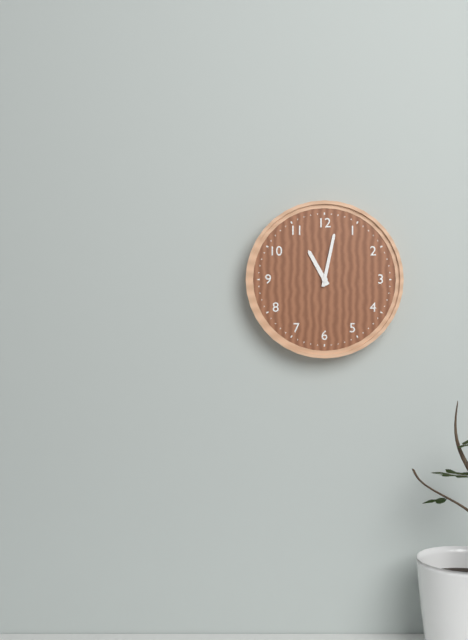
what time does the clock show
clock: 11:02
